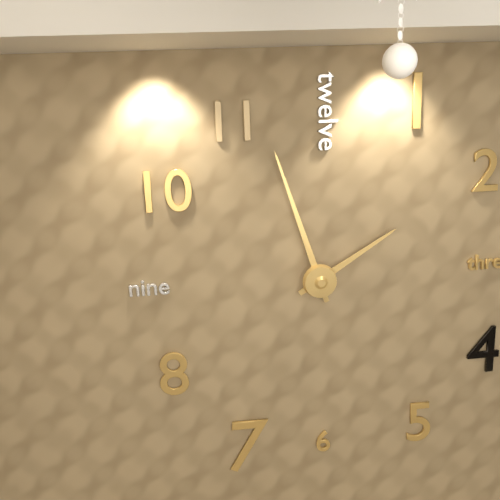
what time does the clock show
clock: 1:57
